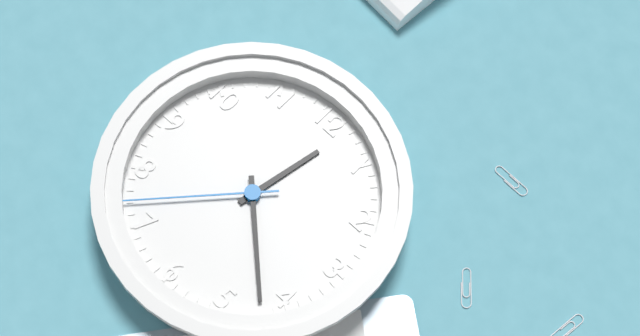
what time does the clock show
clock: 12:22:37
